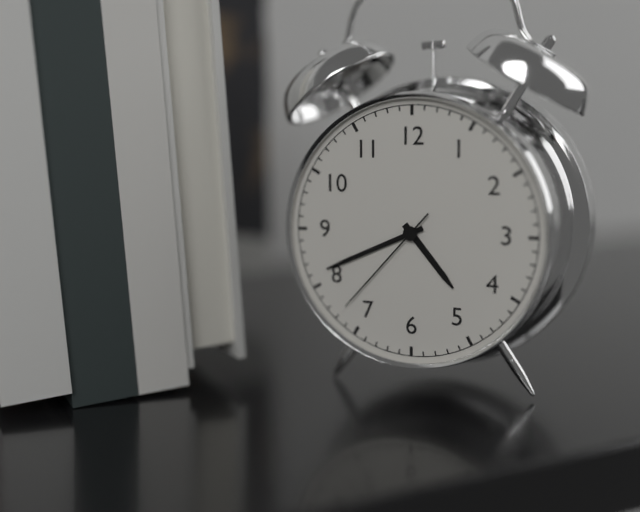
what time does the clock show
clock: 4:41:37
